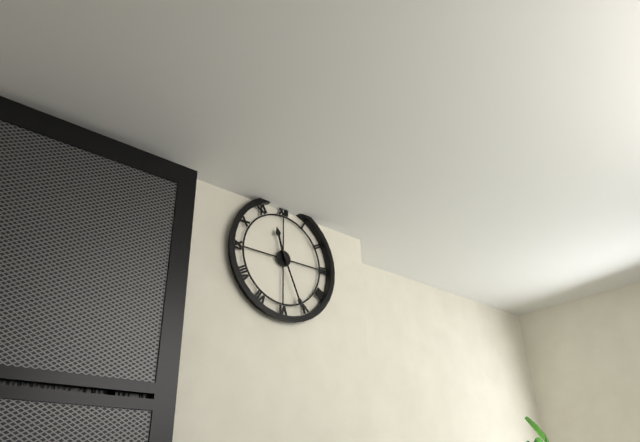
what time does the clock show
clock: 11:26
